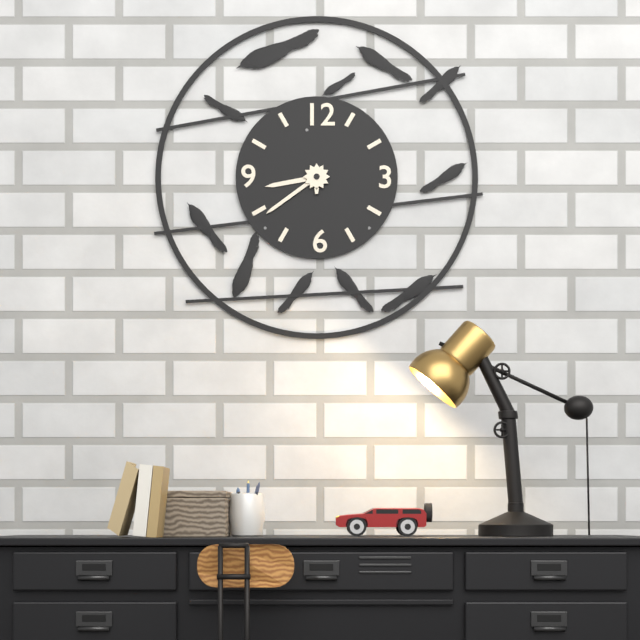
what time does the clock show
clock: 8:39
